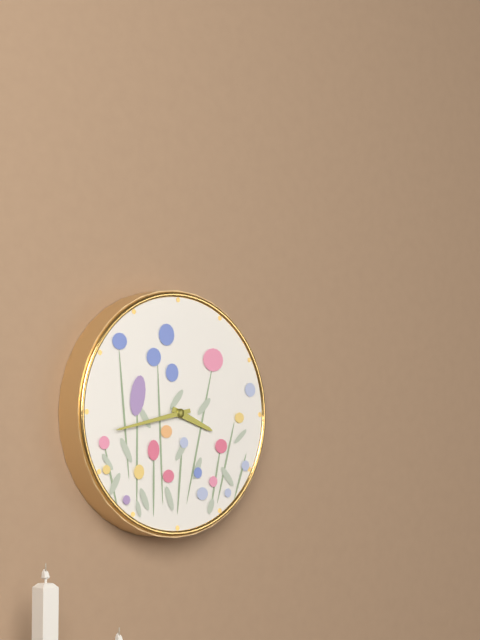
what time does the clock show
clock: 3:43
